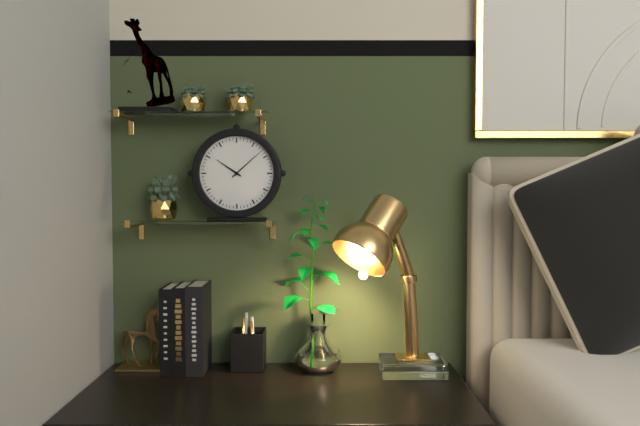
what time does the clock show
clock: 10:08
